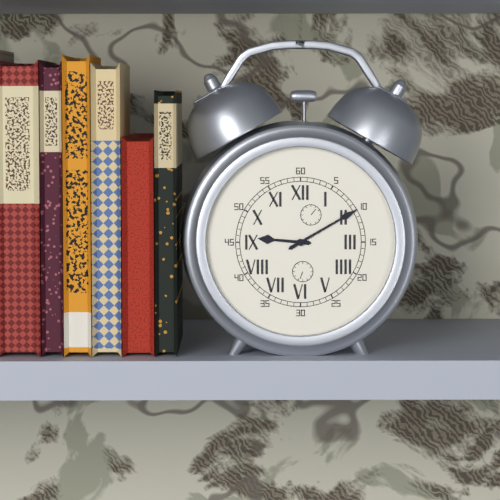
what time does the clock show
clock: 9:10
